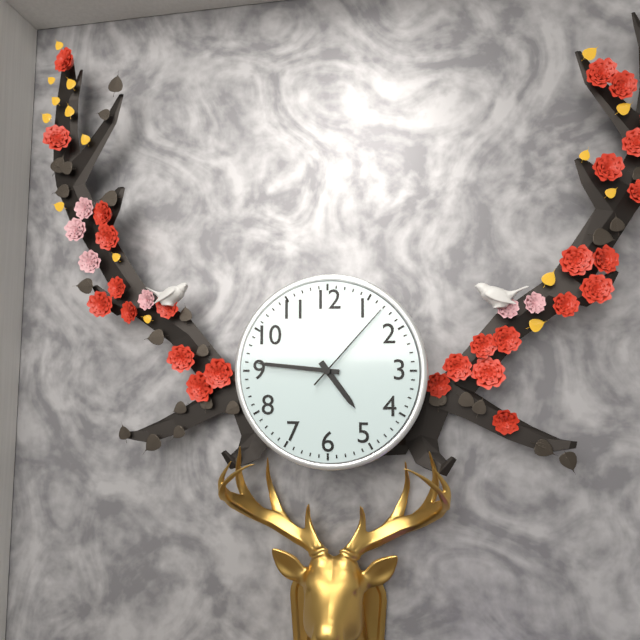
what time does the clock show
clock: 4:46:07
